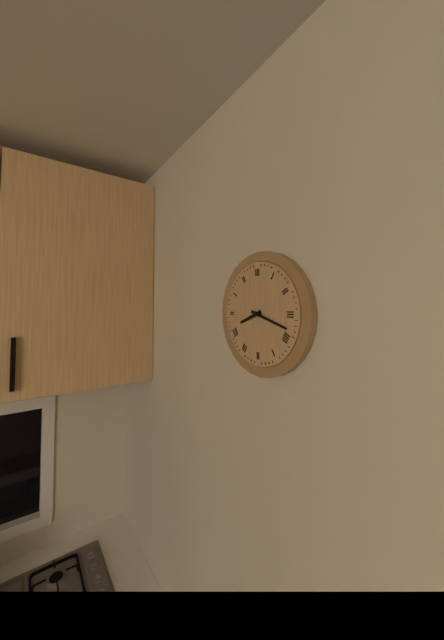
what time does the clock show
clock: 8:18
